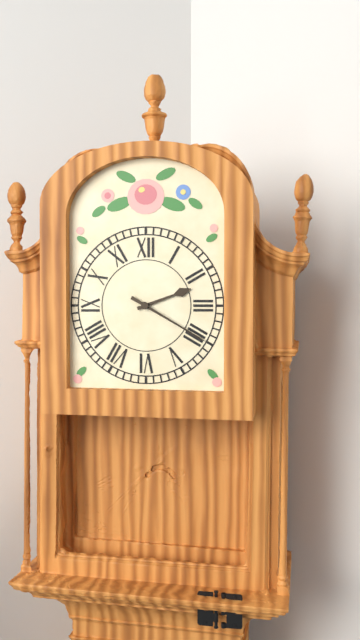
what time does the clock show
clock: 2:20
